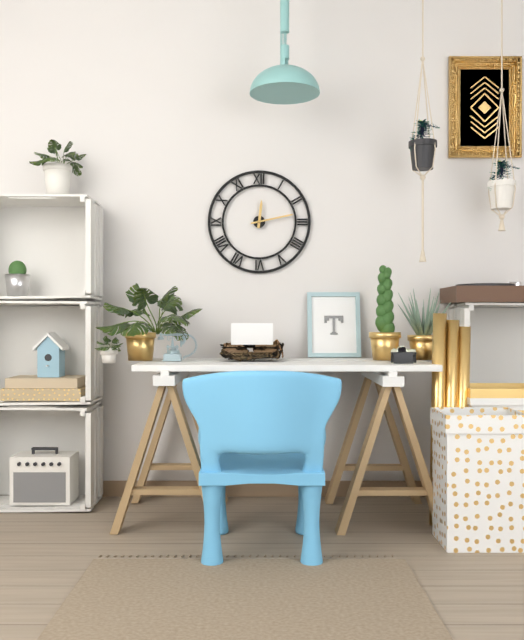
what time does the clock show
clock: 12:13
